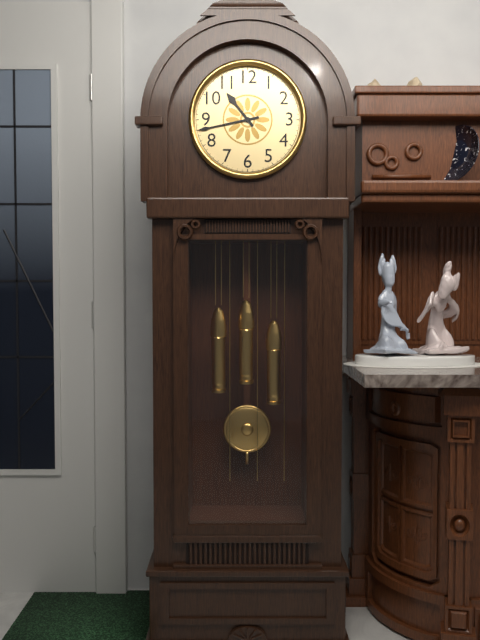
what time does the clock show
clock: 10:43
